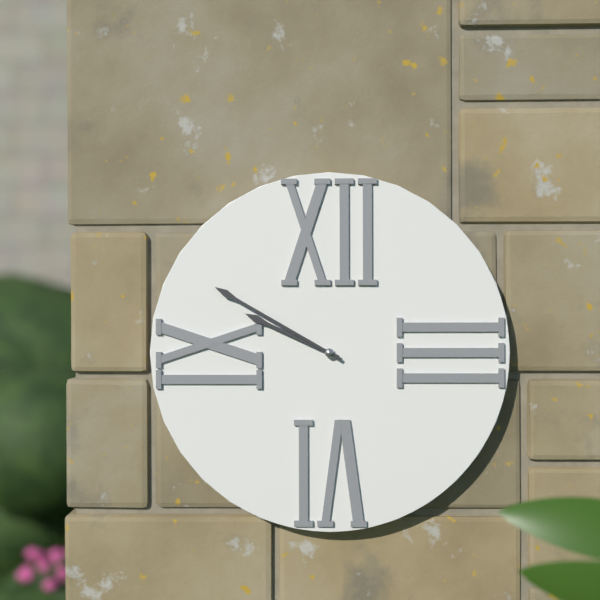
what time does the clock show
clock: 9:50
